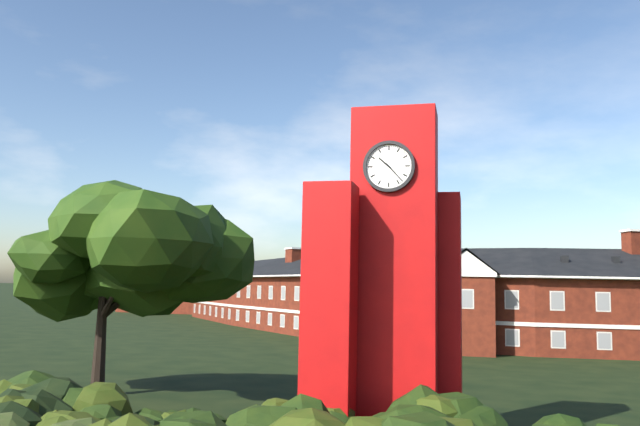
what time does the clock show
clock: 10:23
